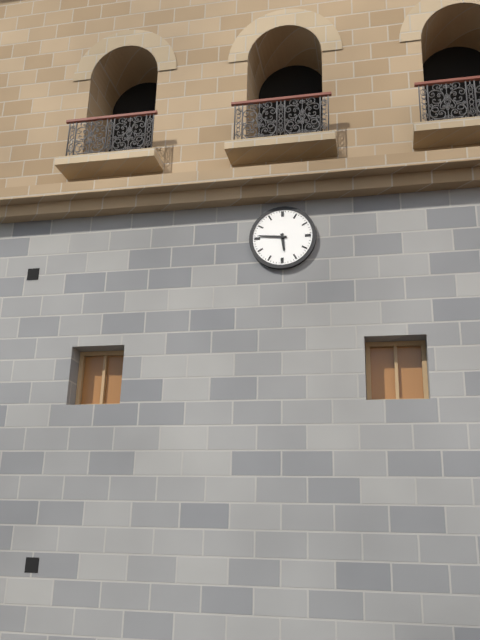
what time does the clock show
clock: 5:46
